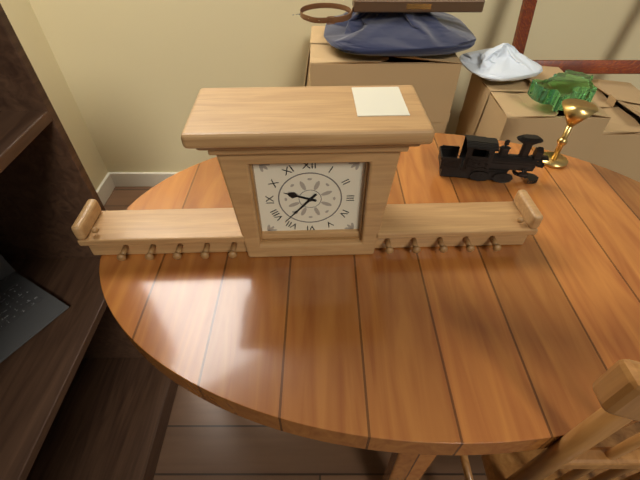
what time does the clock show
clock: 9:37
